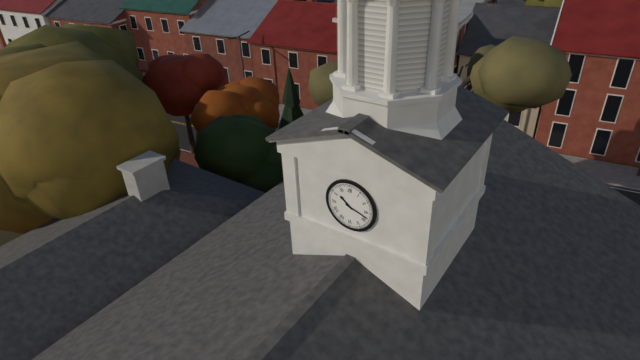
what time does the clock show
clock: 10:18
